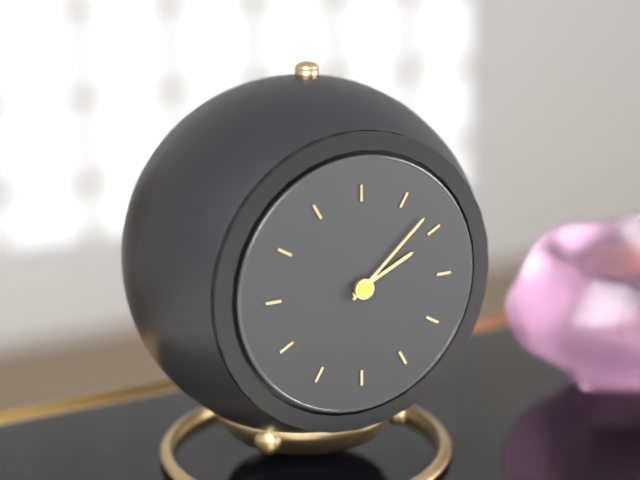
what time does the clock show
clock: 2:08
